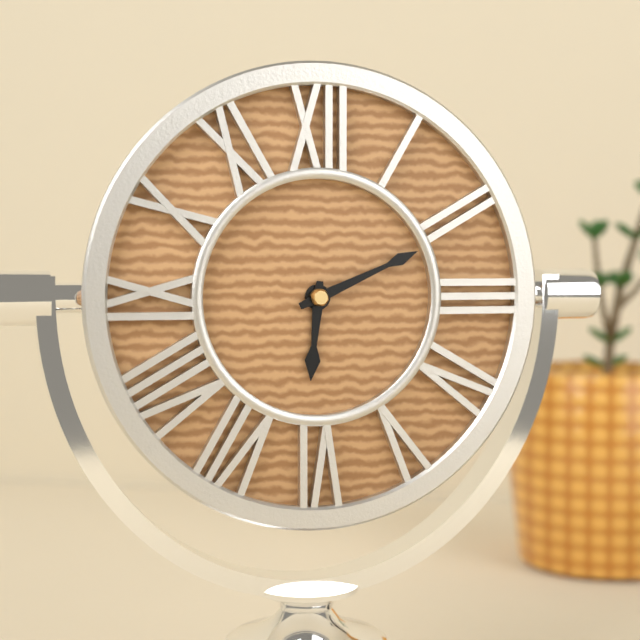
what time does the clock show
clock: 6:11
